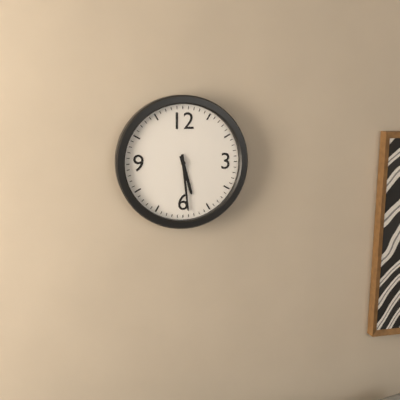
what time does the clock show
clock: 5:29
